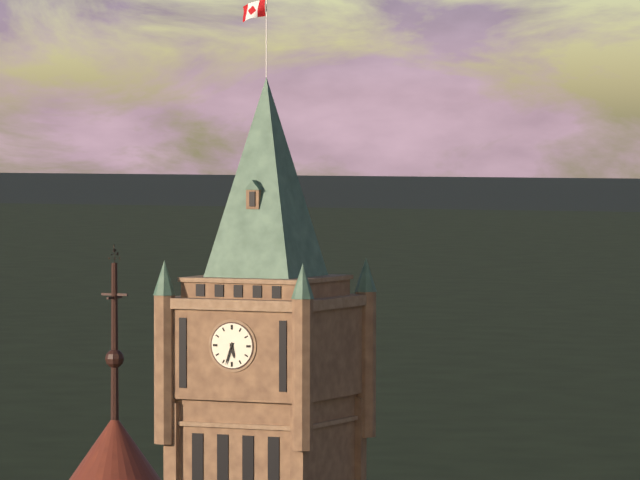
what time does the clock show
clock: 5:33
